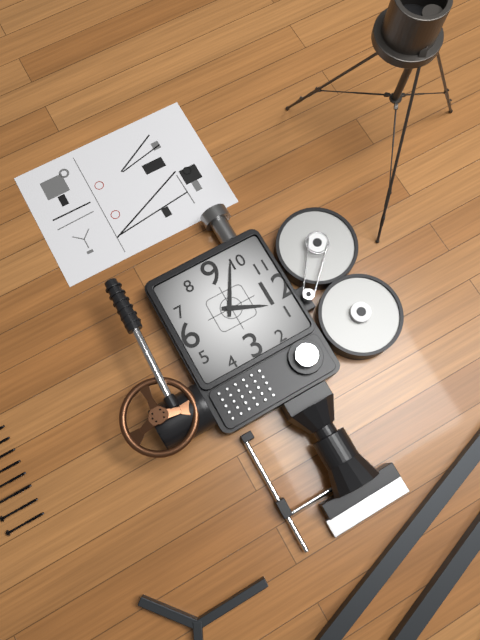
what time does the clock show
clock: 12:50
